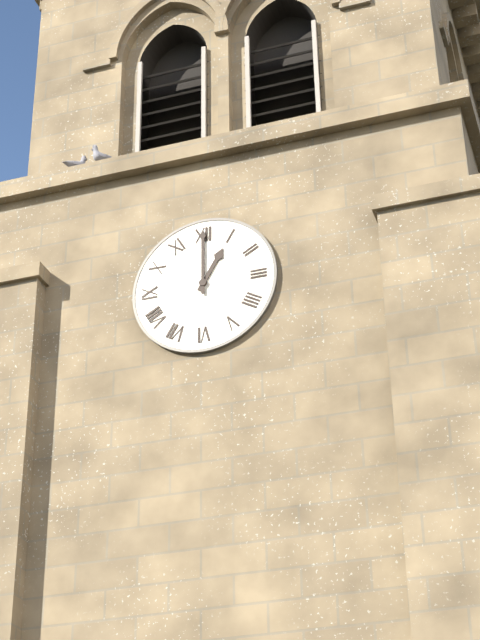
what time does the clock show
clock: 1:00
